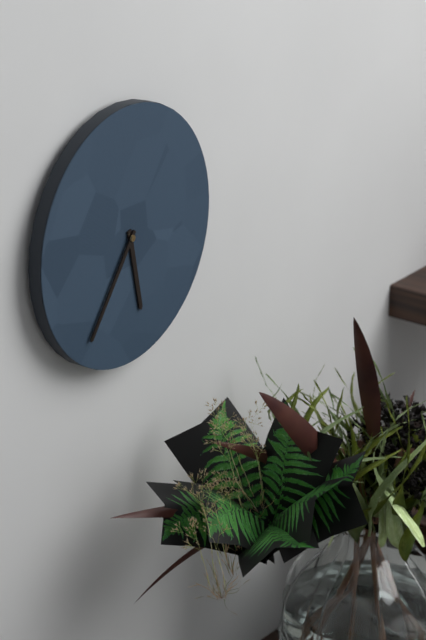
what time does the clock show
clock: 5:36
